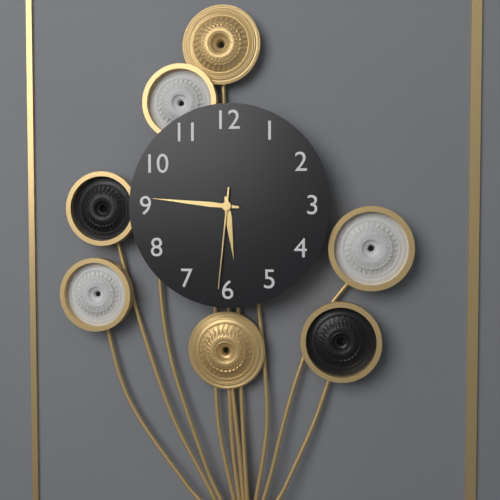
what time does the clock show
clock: 5:46:31
